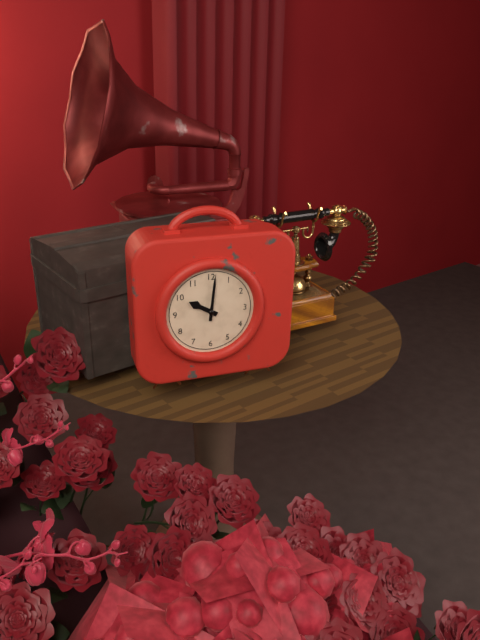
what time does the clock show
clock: 10:01
